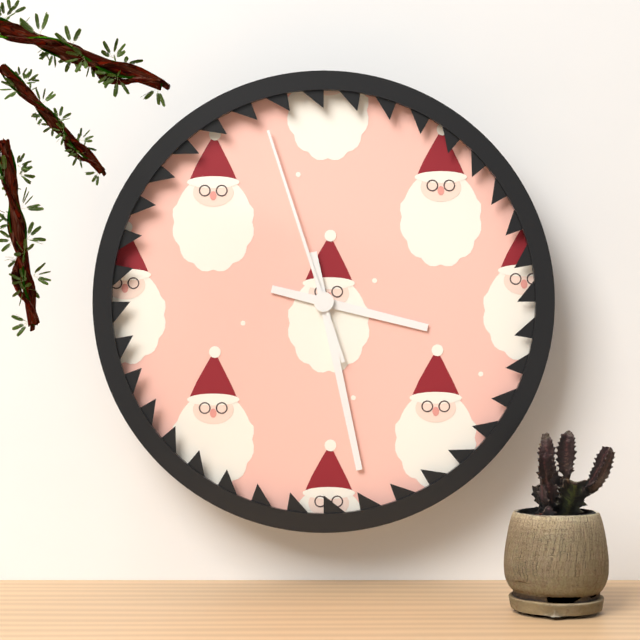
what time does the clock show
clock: 3:28:57
